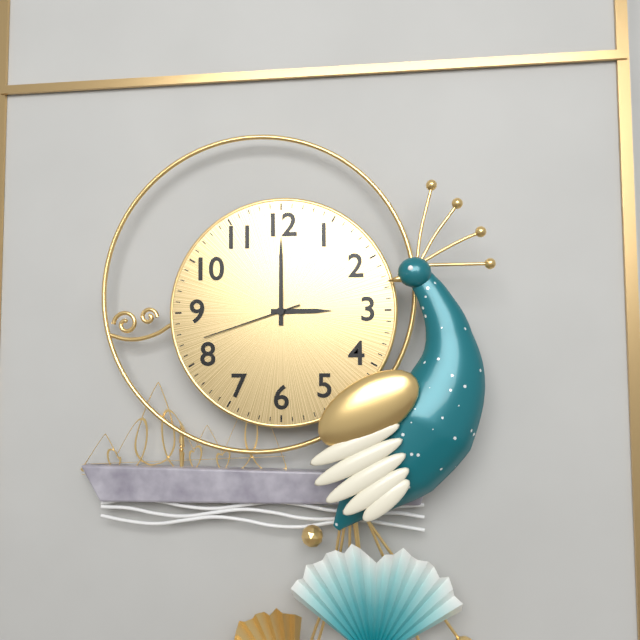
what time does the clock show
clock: 3:00:42
